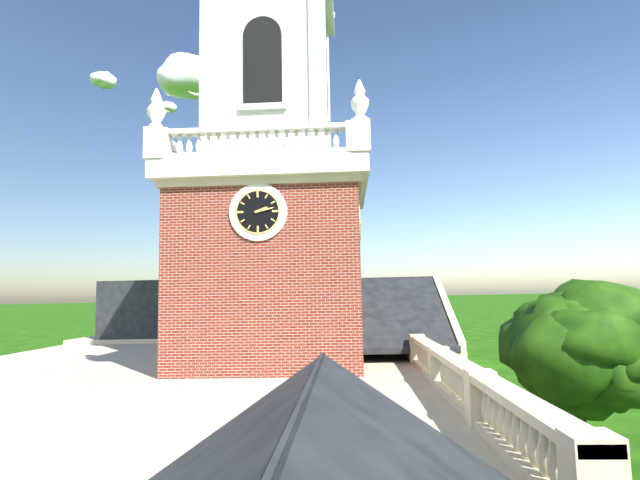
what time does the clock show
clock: 2:13
